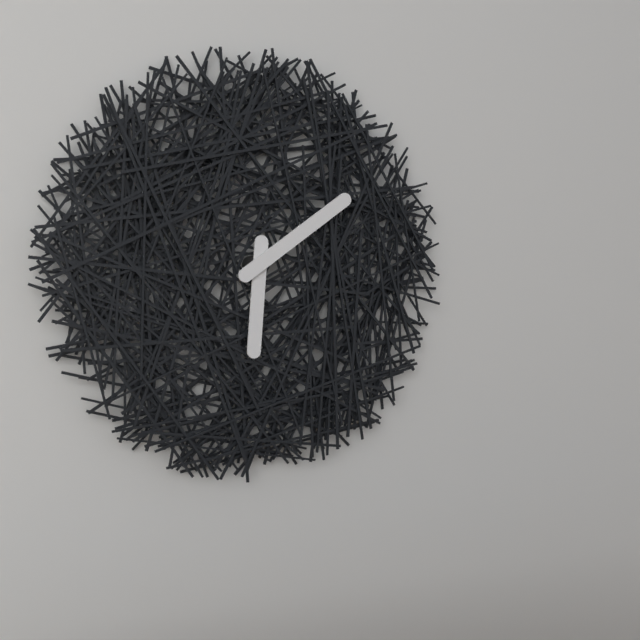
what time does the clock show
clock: 6:09
